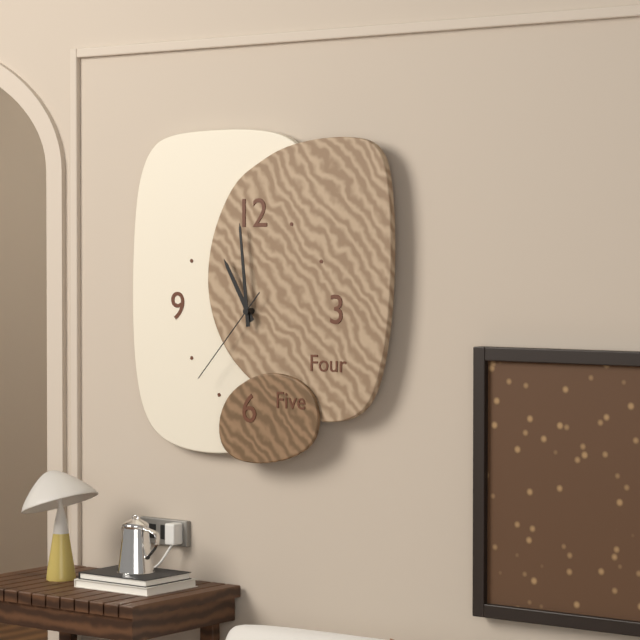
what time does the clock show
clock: 10:59:37
